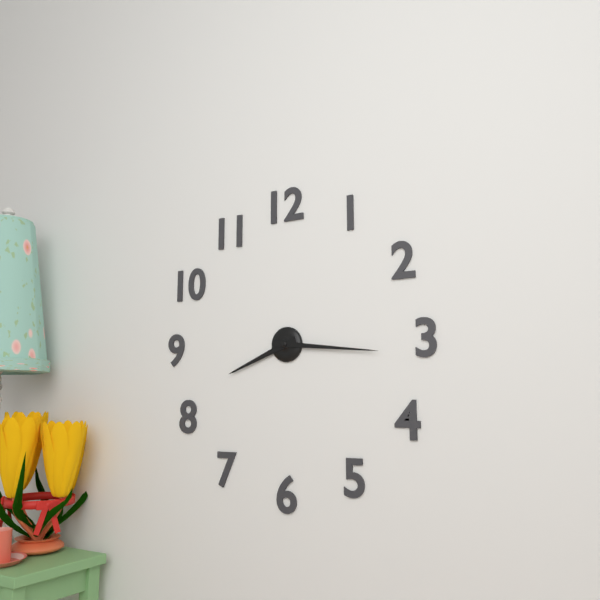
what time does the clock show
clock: 8:16
